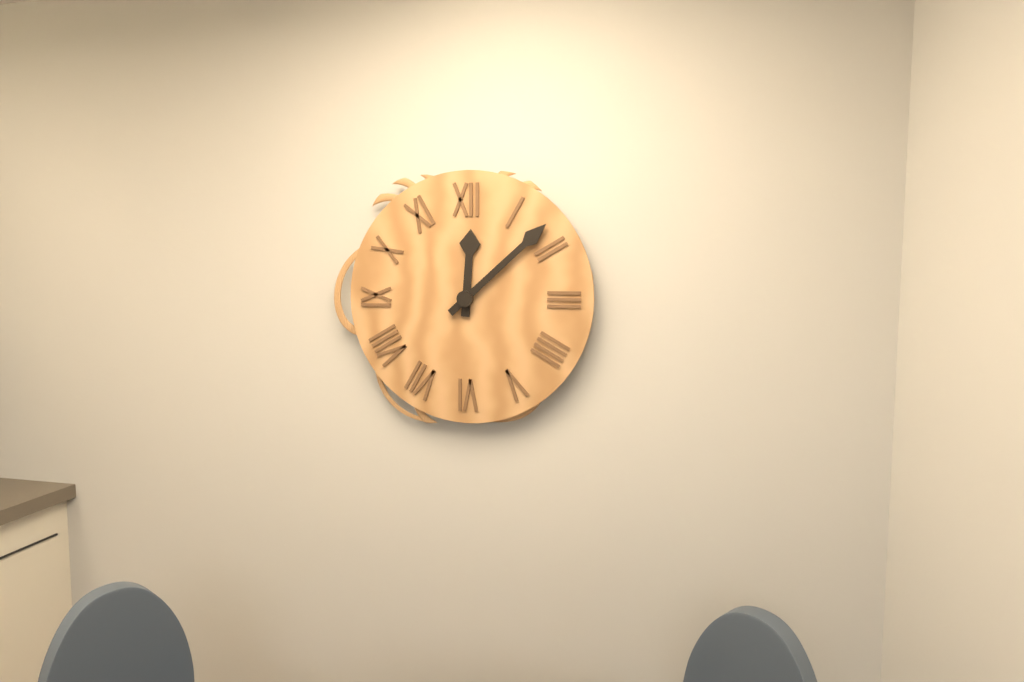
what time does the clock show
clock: 12:08
